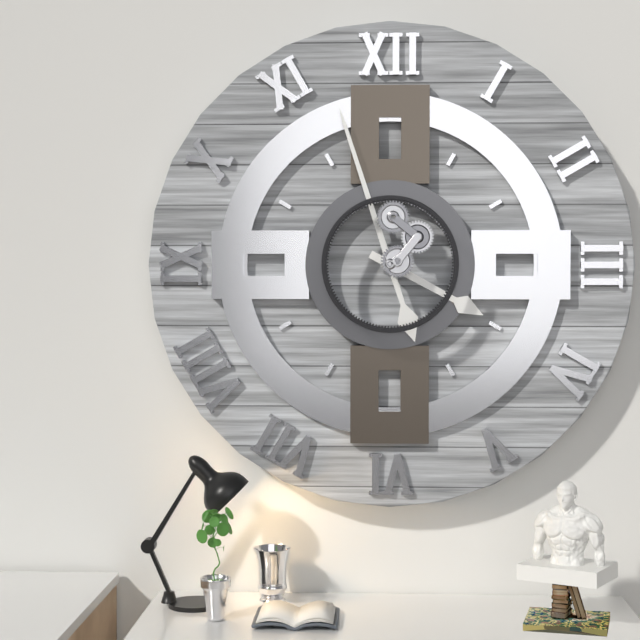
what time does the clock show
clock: 3:57
